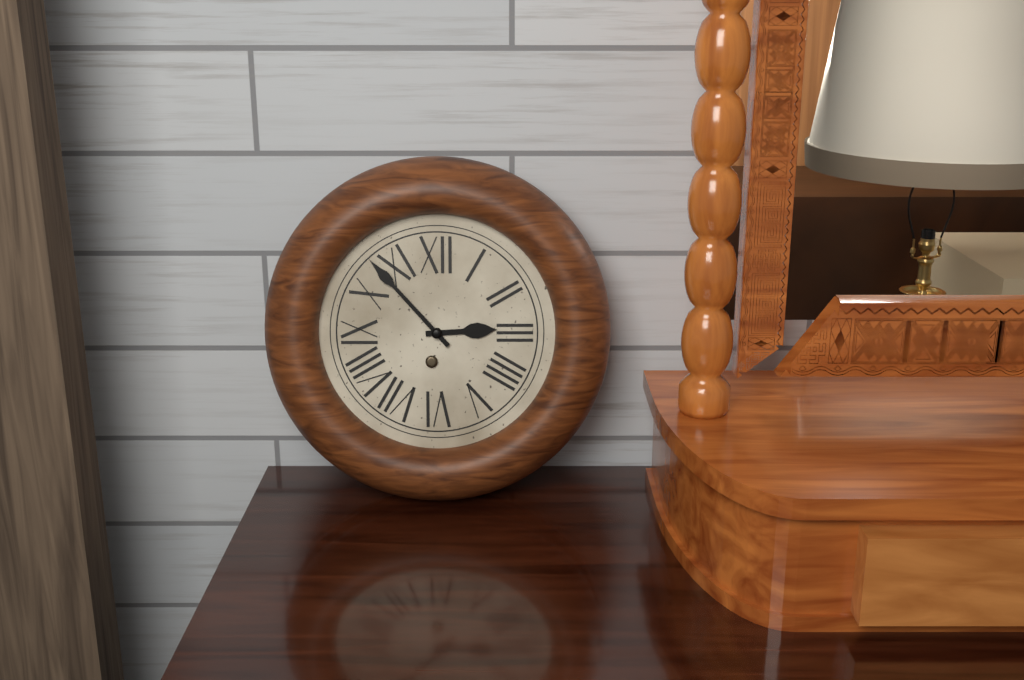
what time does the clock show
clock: 2:53
